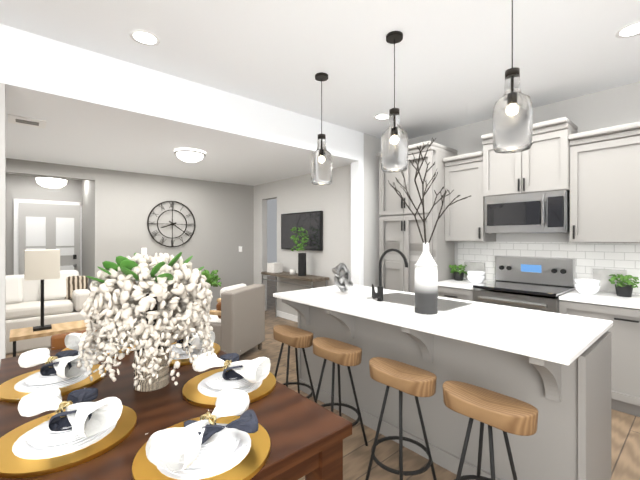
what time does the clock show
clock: 8:21
